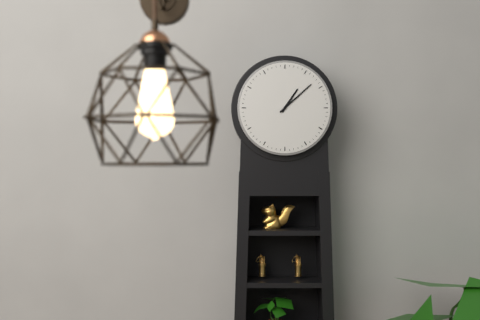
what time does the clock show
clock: 1:08
